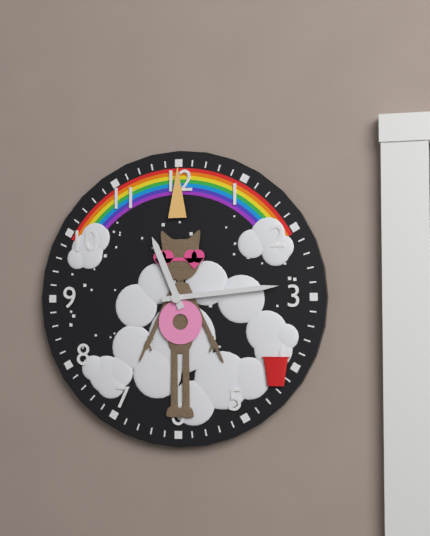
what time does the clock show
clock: 11:14
